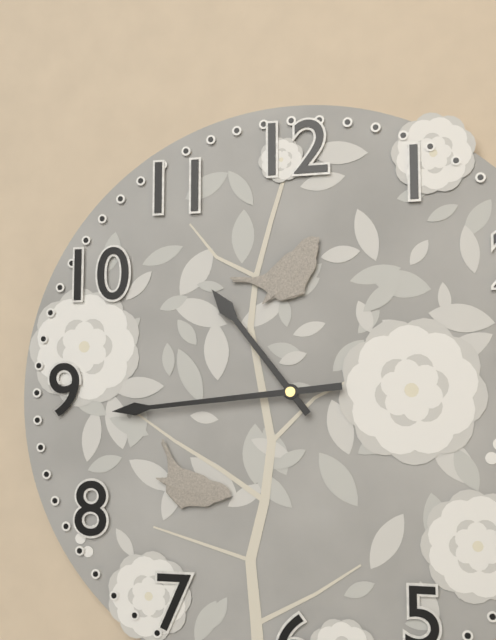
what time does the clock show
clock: 10:44
